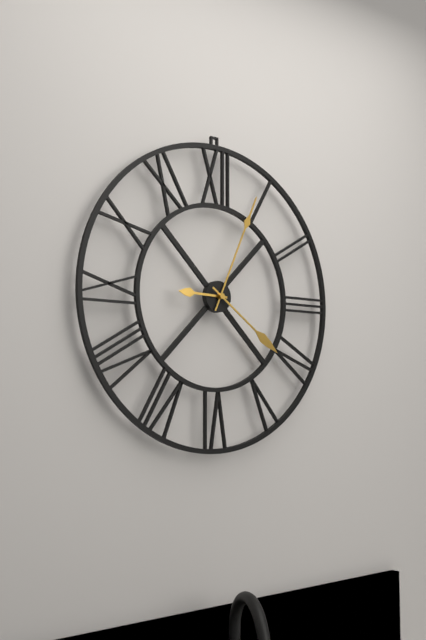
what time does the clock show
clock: 9:04:21
